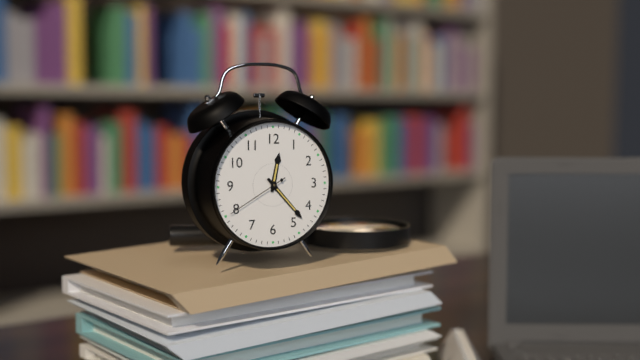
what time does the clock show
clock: 12:23:40
